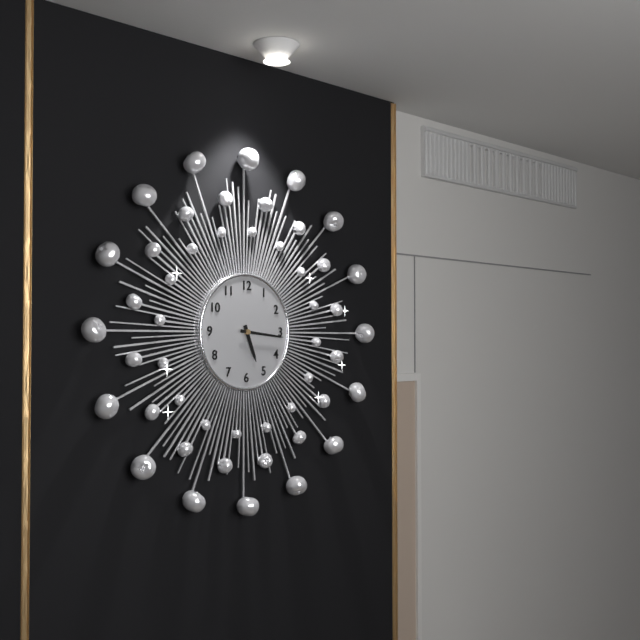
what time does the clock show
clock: 5:16
